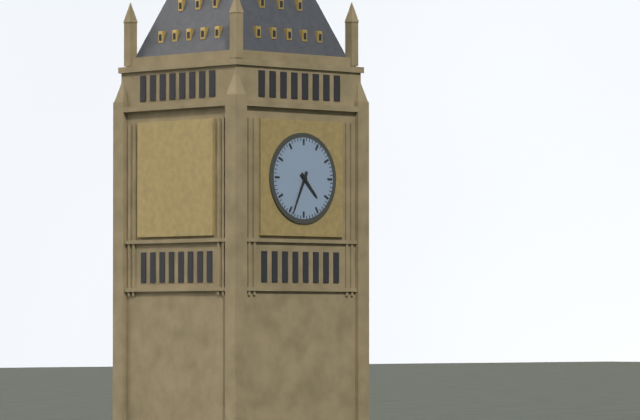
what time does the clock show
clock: 4:34
